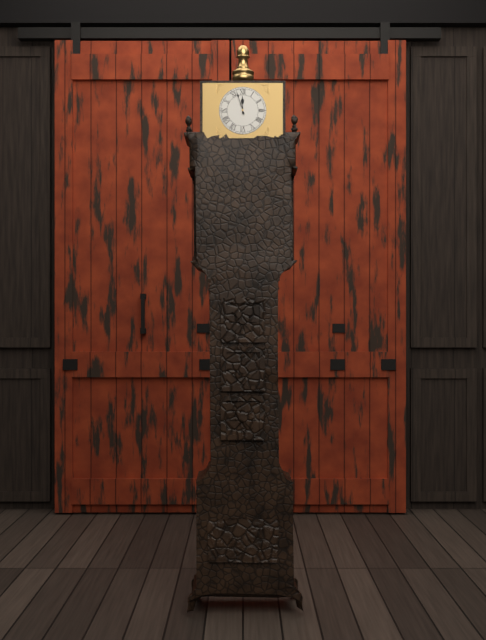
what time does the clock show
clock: 11:57
